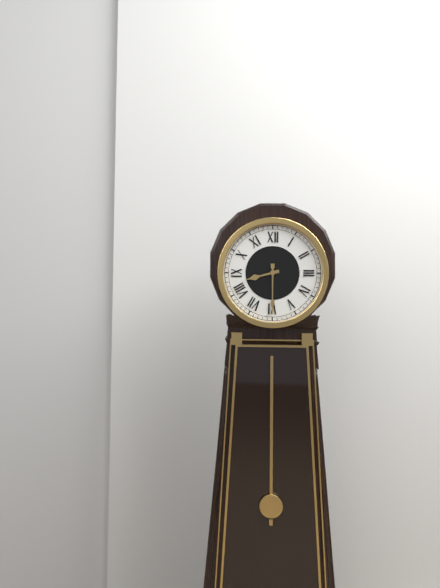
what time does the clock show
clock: 8:30
